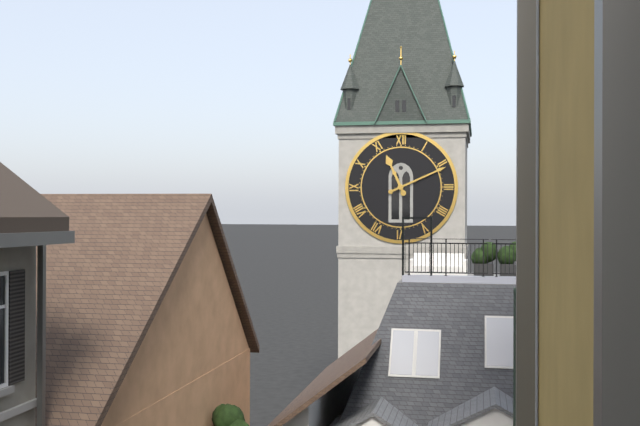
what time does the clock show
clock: 11:11
